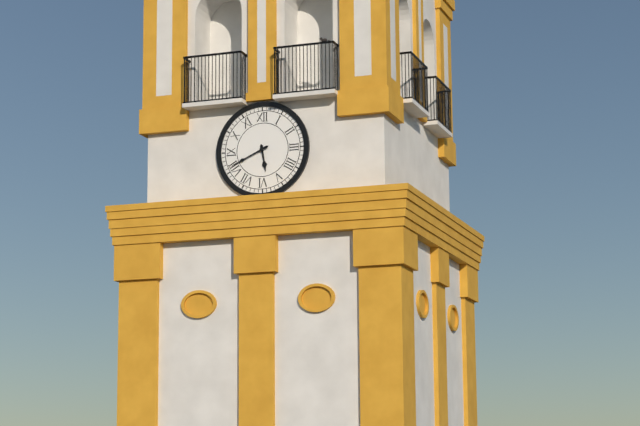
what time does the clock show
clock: 5:41
